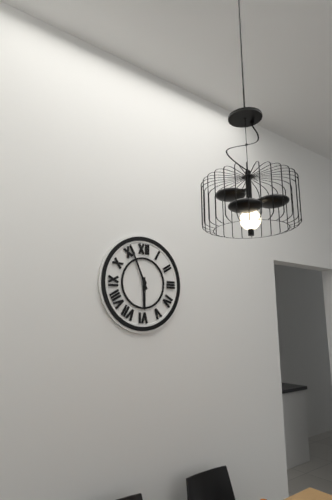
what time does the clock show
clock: 5:56
